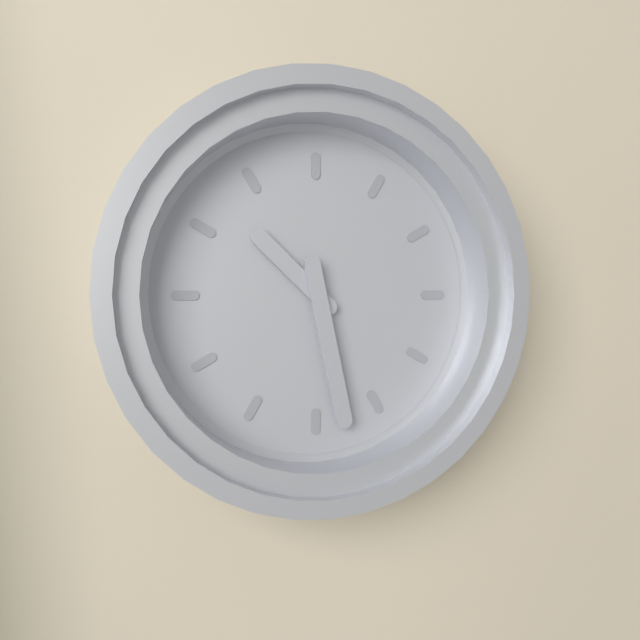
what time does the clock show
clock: 10:28
